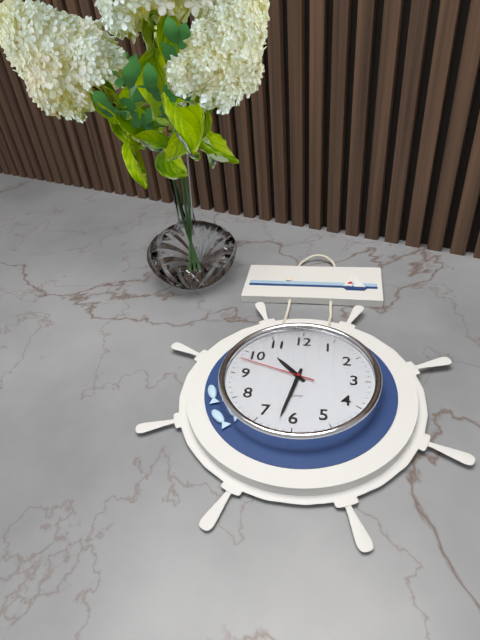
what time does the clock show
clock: 10:32:48
